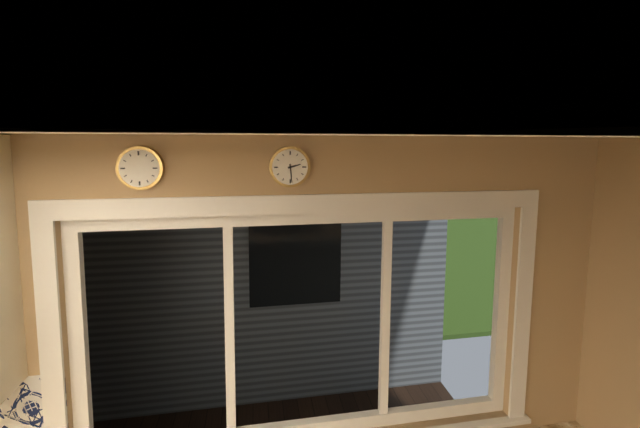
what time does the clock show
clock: 2:29
